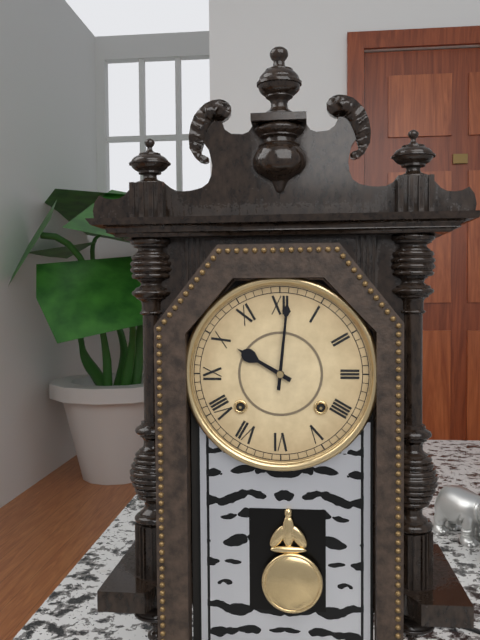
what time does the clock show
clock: 10:01
